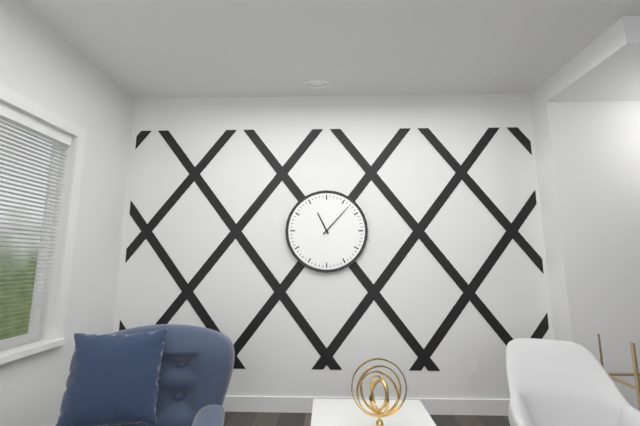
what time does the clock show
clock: 11:07
